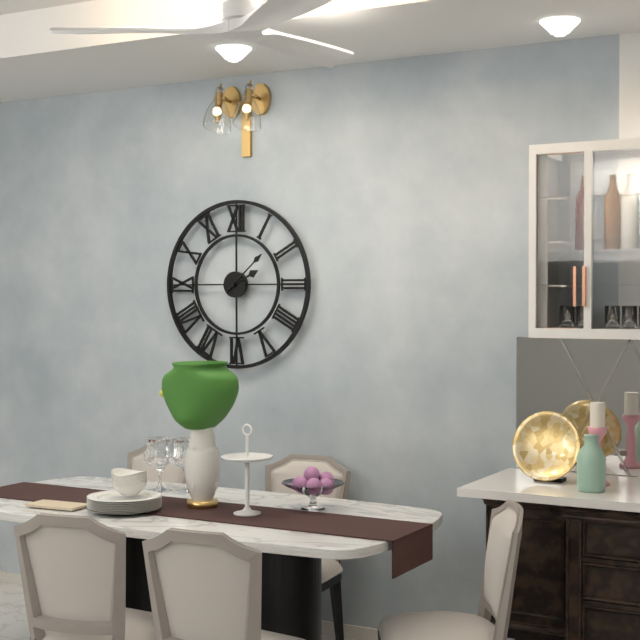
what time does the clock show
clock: 2:08
